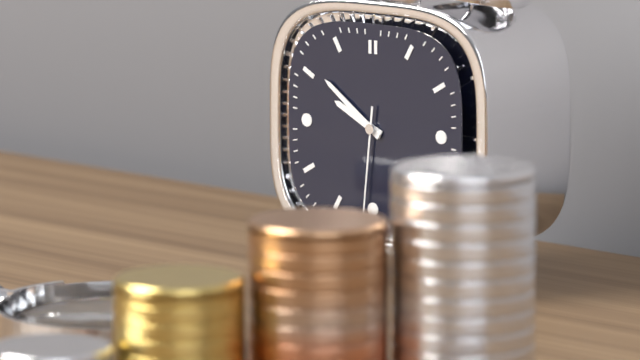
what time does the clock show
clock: 9:51:31
